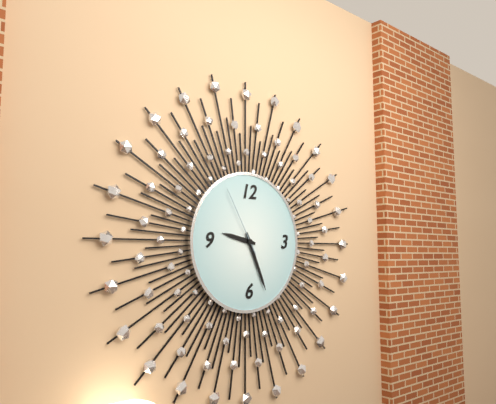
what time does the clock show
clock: 9:26:55
